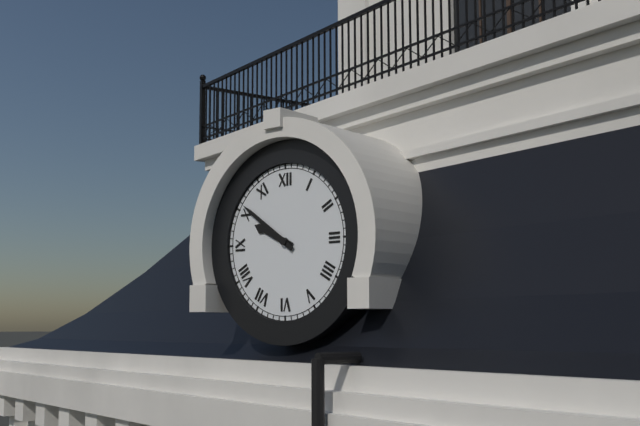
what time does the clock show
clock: 9:51
